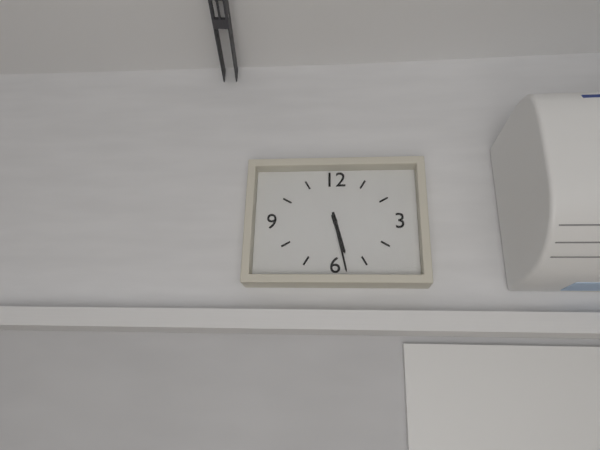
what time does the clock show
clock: 5:28
